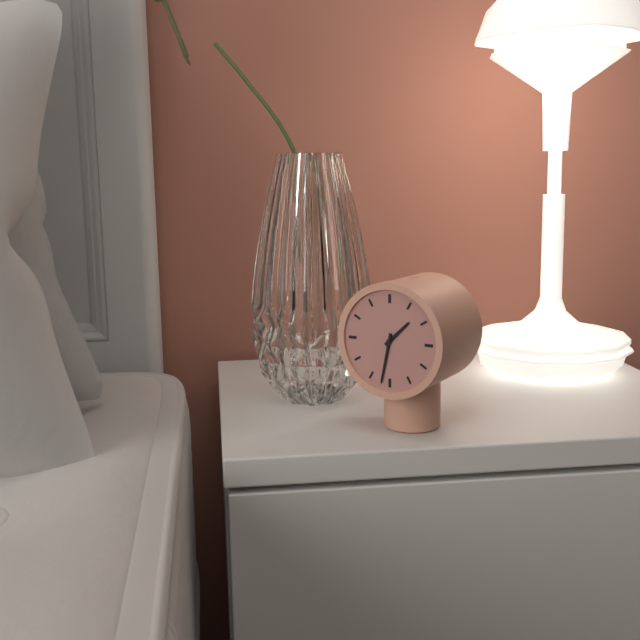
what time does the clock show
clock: 1:32
